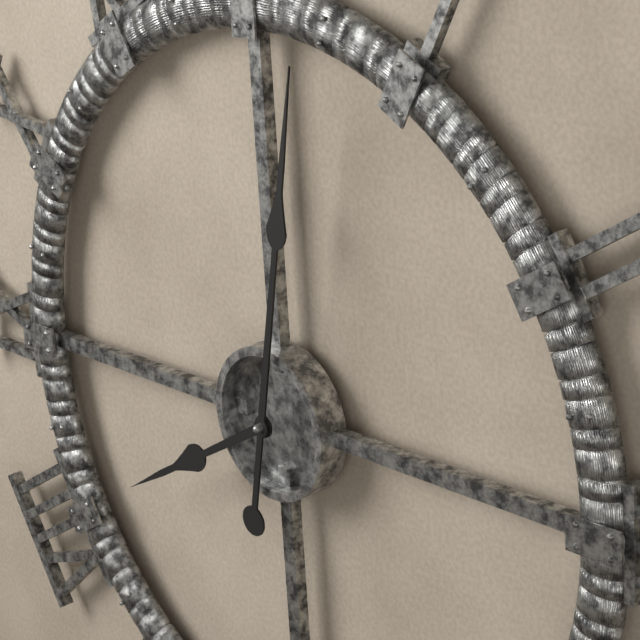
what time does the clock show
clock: 8:02
